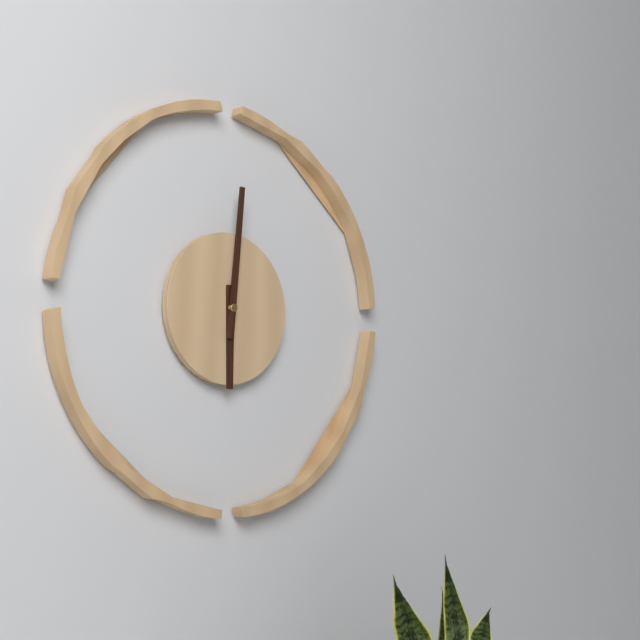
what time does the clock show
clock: 6:01
